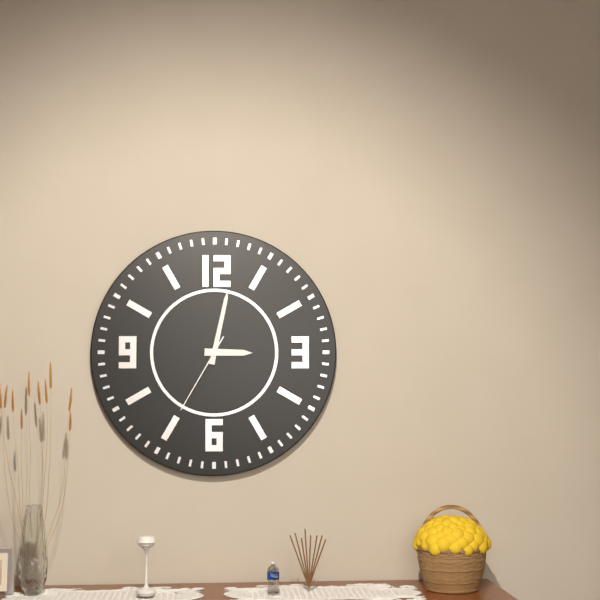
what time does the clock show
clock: 3:02:35
